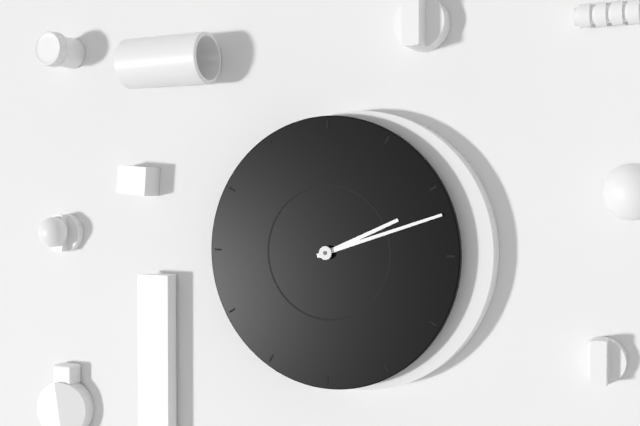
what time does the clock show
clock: 2:12
